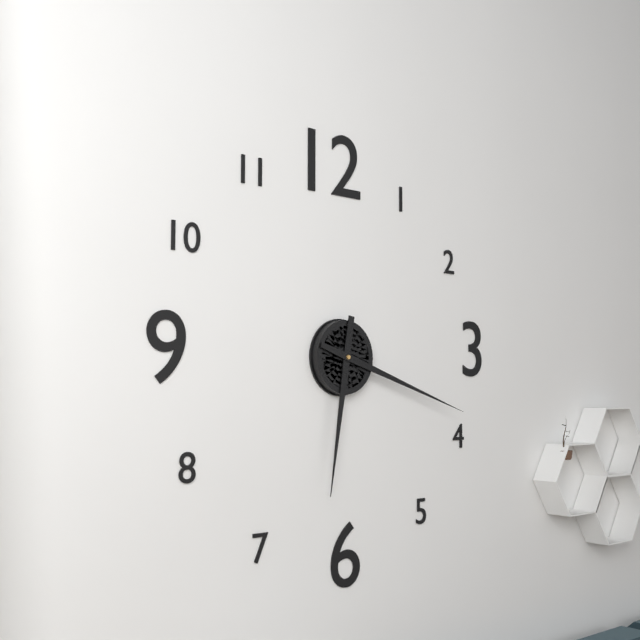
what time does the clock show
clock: 6:18
